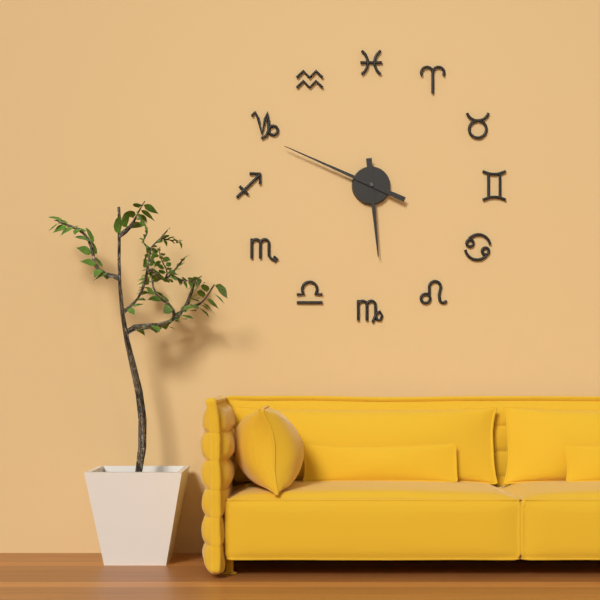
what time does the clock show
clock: 5:49
